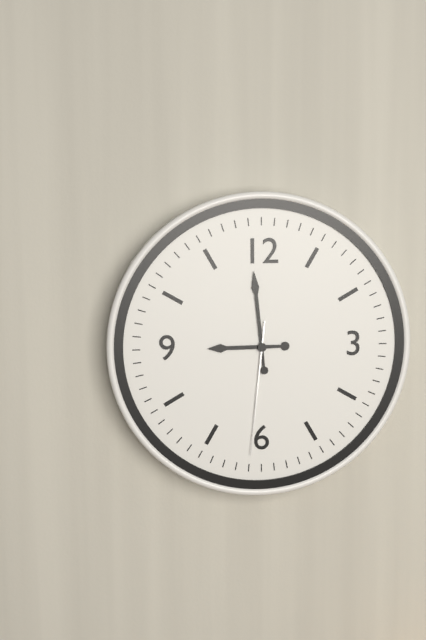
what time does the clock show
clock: 8:59:31
